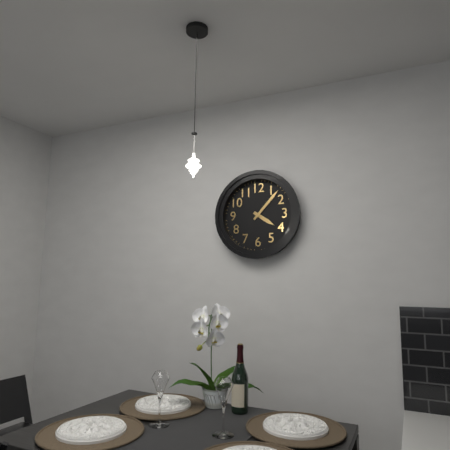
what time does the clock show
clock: 4:07
